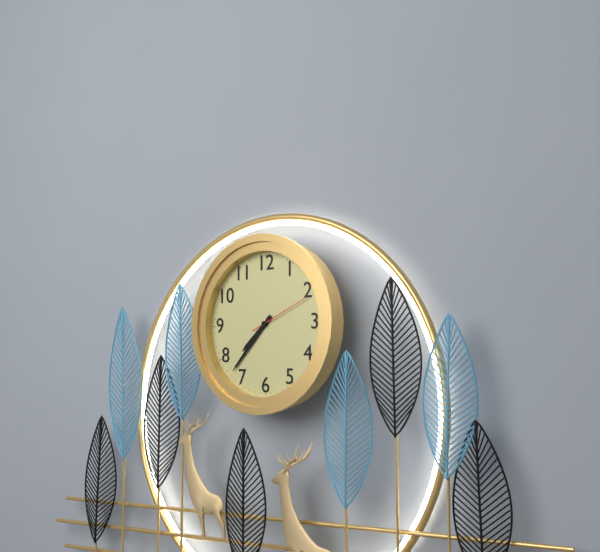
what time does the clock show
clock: 7:37:11
